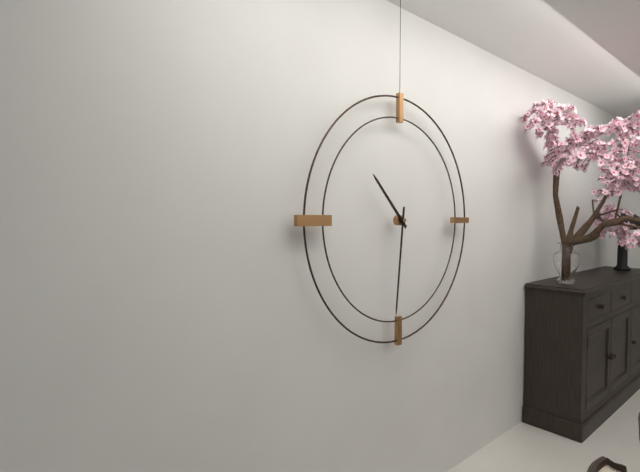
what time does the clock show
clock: 10:31
